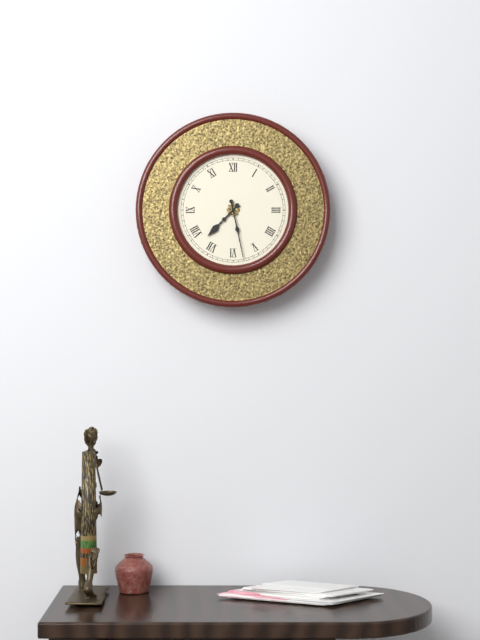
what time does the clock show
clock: 7:28
